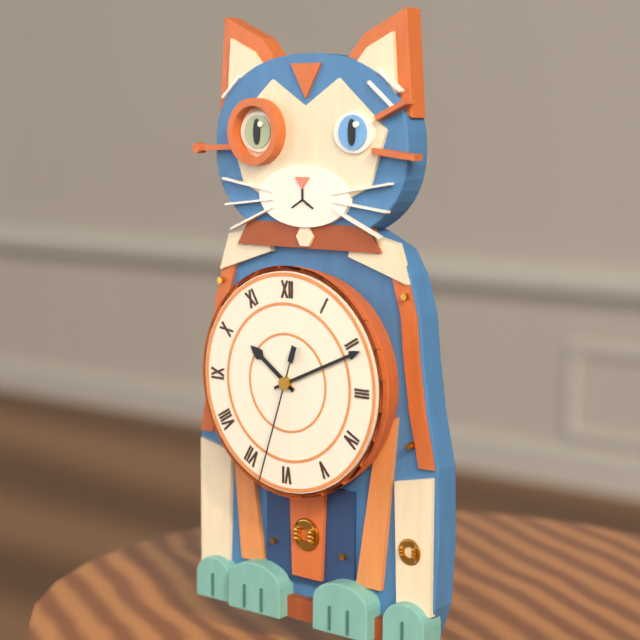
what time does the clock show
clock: 10:11:33
